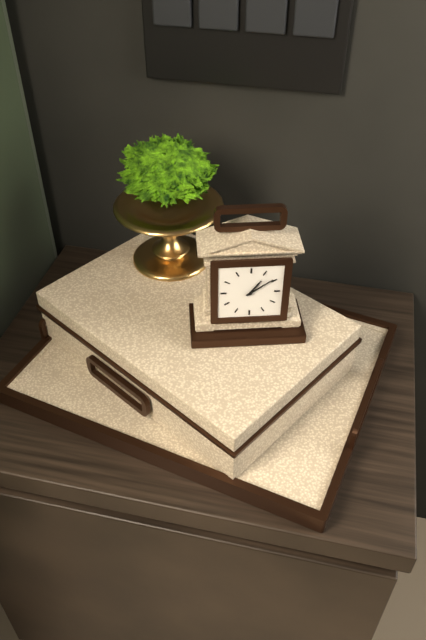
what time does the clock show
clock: 1:09
